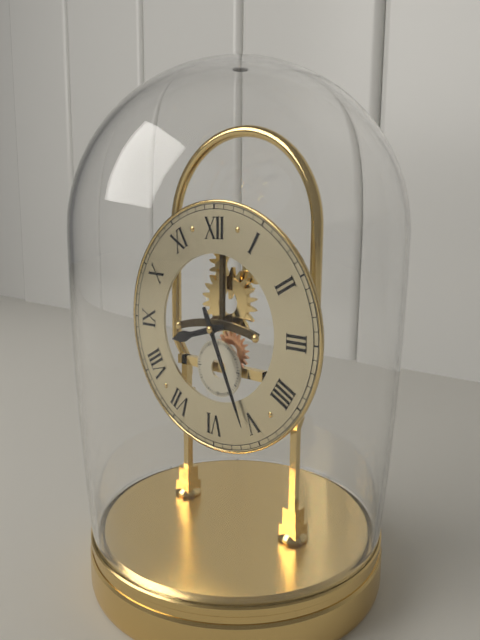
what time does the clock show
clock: 8:26
